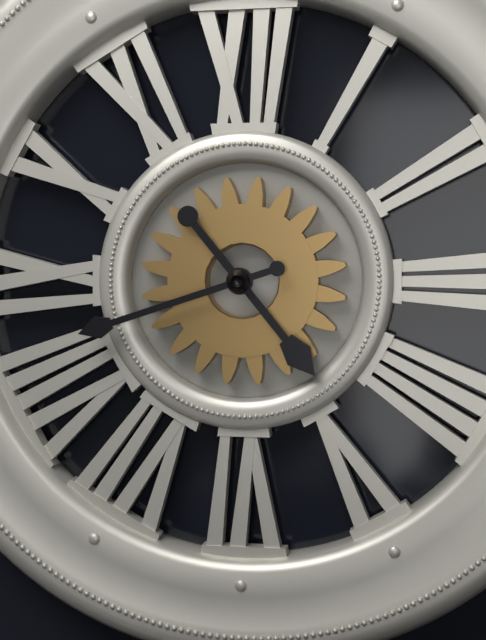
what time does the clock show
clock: 4:42
